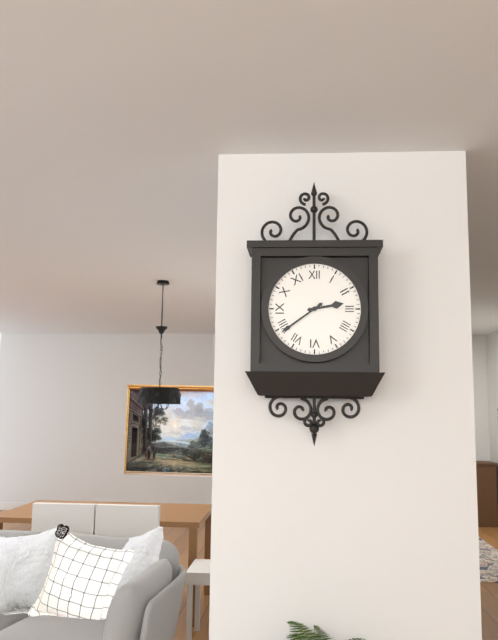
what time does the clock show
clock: 2:39
